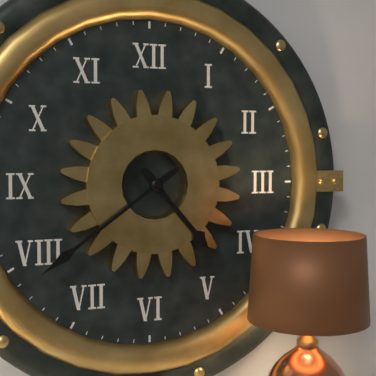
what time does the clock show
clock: 4:39
